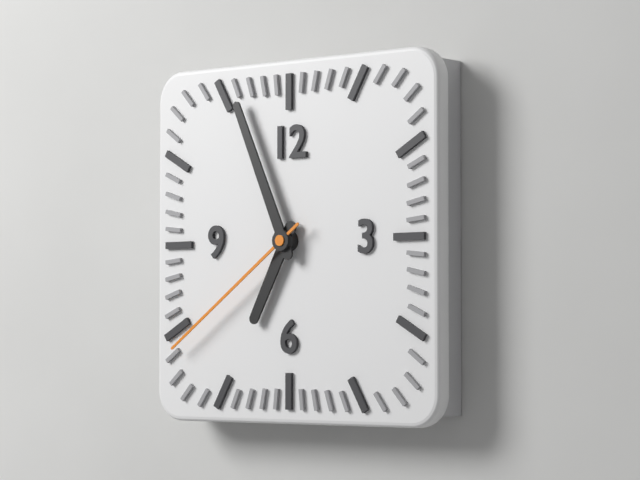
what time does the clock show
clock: 6:56:39
